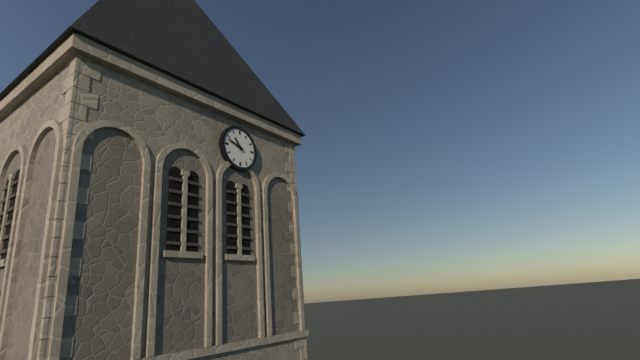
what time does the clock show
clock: 10:48
